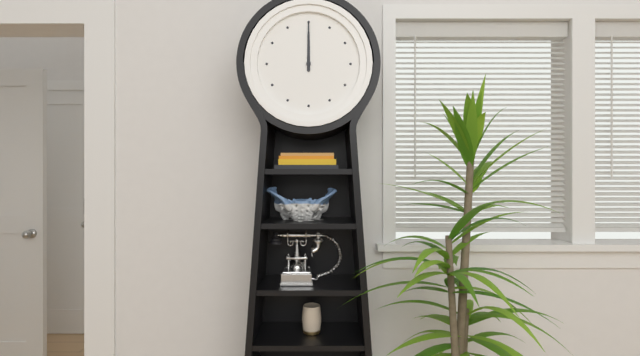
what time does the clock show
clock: 12:00
